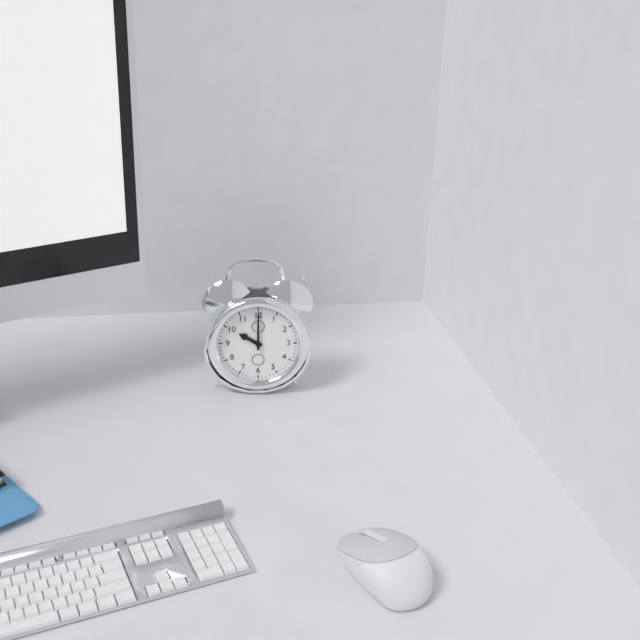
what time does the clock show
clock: 10:00
